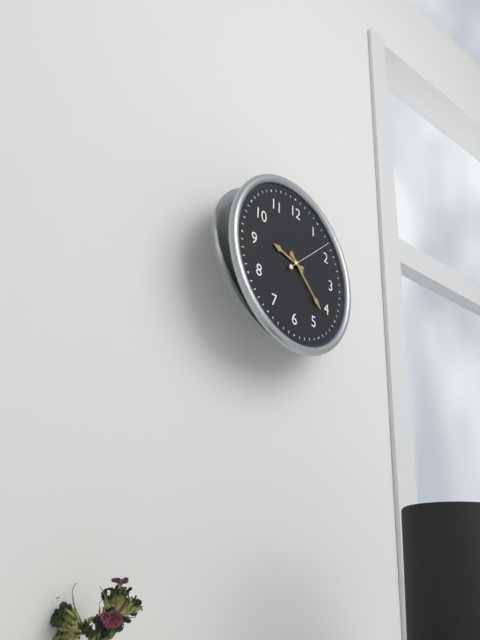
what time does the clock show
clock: 9:22
